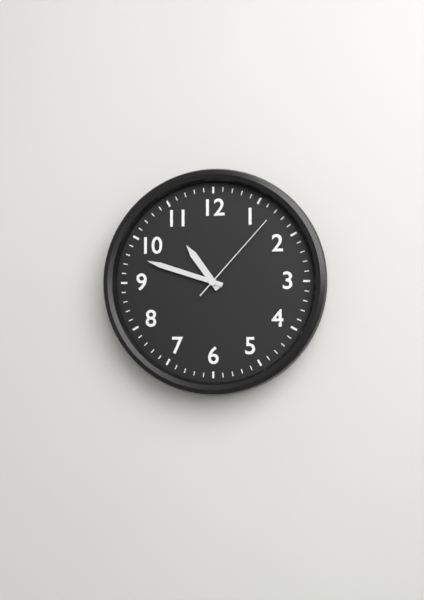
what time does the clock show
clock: 10:48:07
